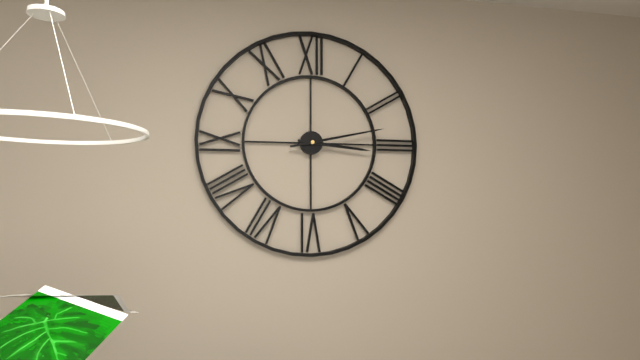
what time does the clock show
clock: 3:13
